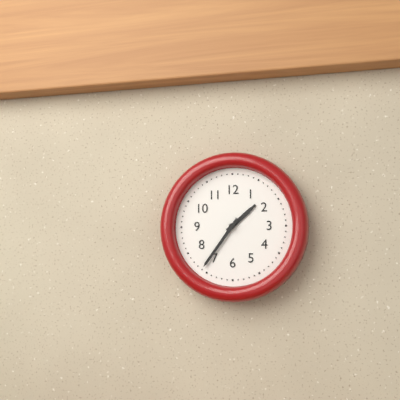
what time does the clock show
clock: 1:36
